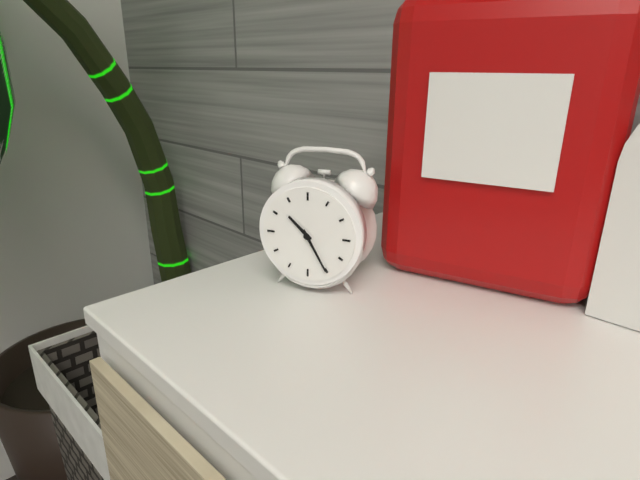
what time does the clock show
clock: 10:25
